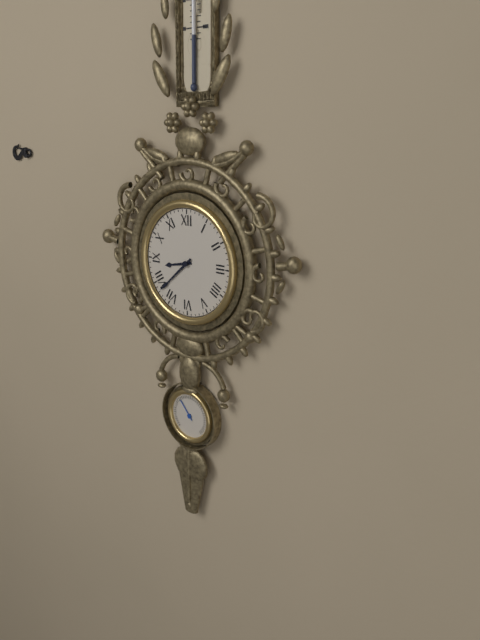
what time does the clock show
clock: 8:38
